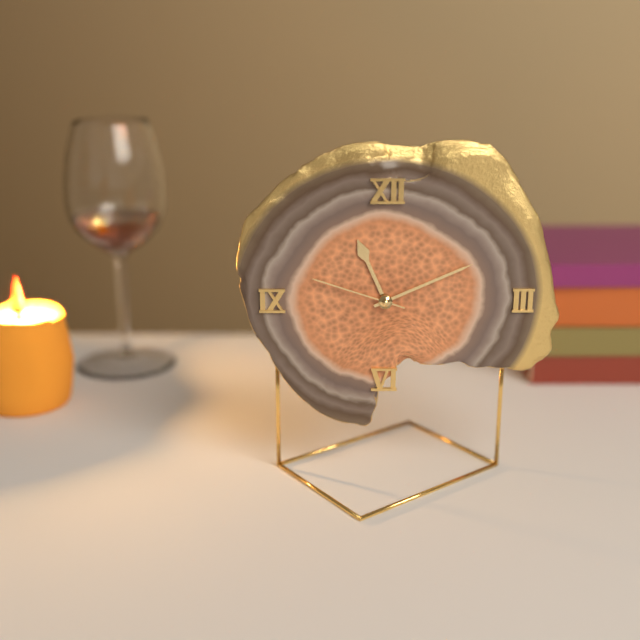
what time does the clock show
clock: 11:11:48
